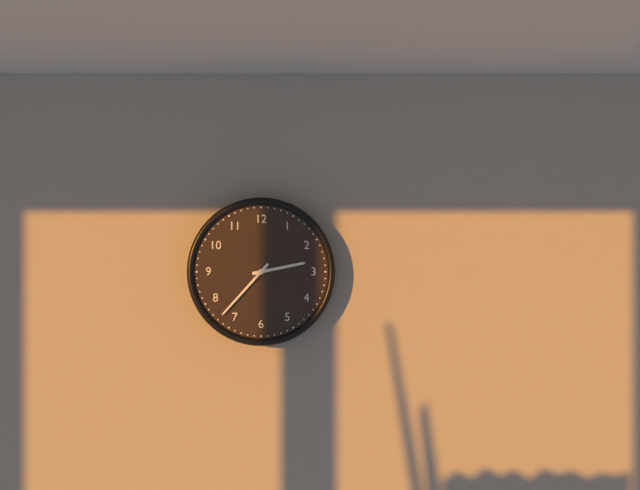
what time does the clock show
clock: 2:37
